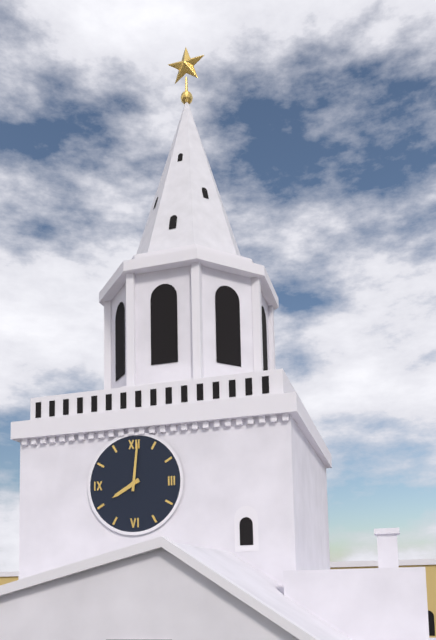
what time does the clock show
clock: 8:01
